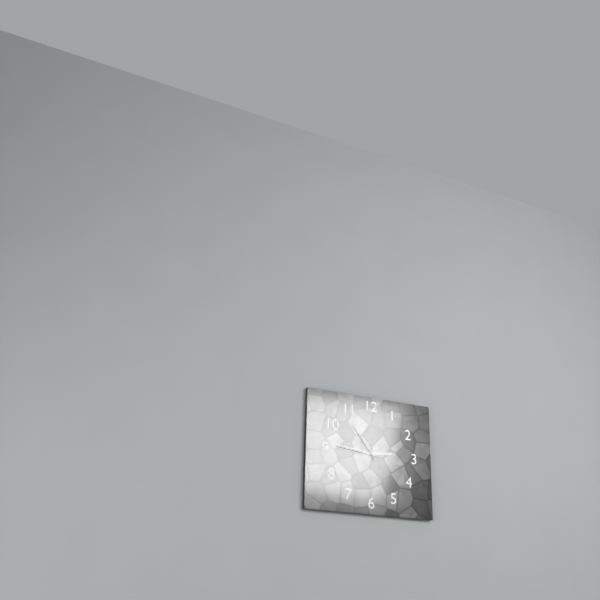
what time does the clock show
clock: 2:46
